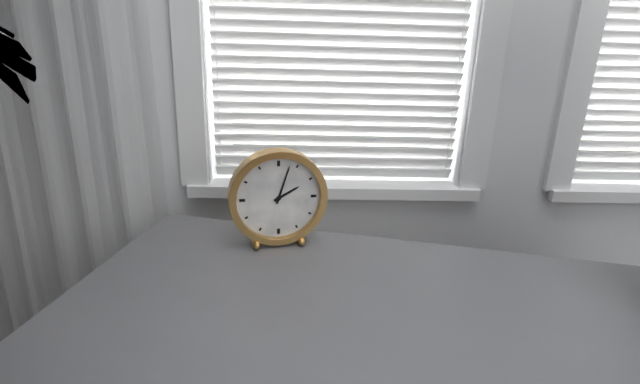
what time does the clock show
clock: 2:03
